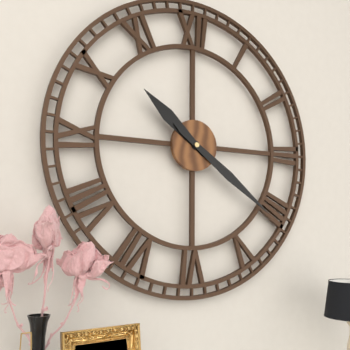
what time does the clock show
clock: 10:21
